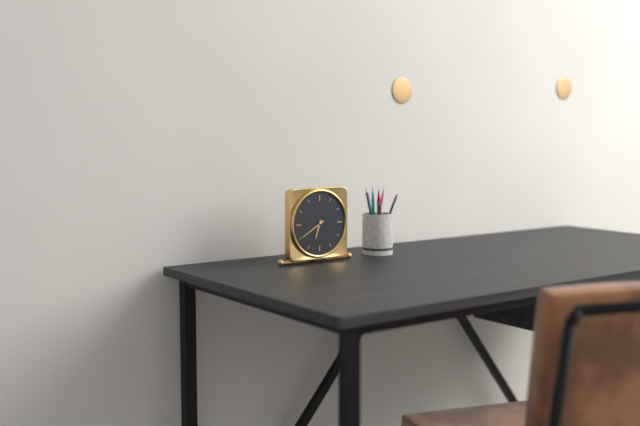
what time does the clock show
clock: 6:40
